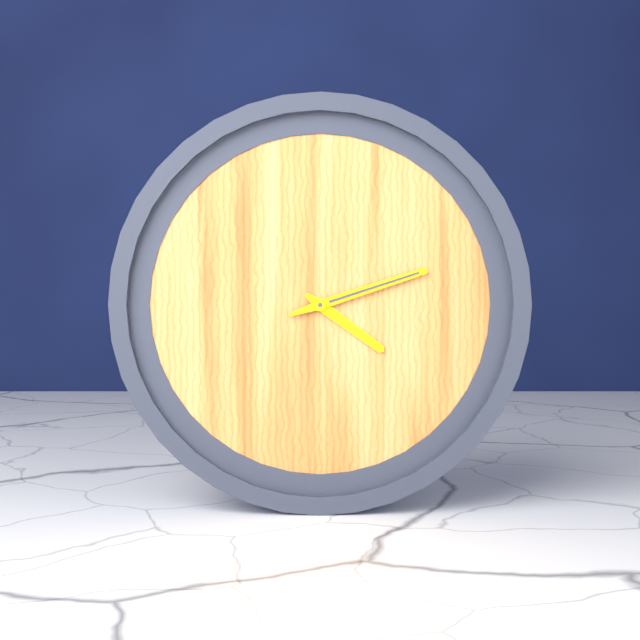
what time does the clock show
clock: 4:12
